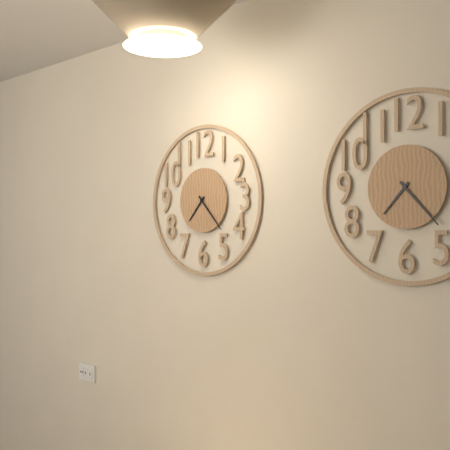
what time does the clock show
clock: 7:23
